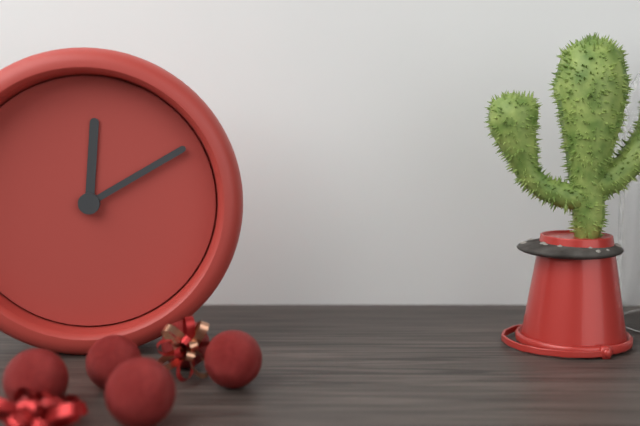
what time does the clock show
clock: 12:10
